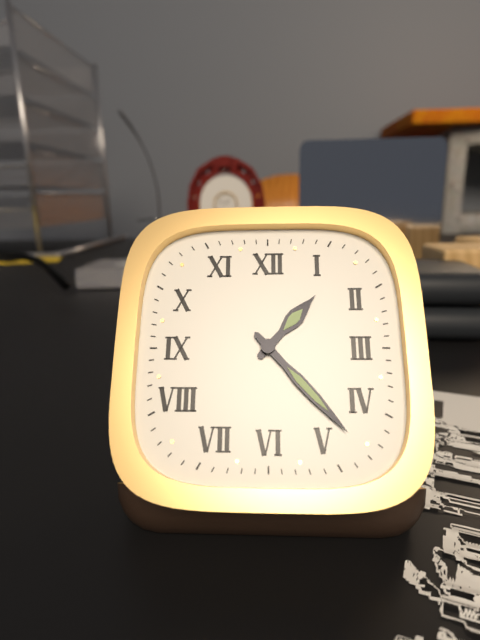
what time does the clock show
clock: 1:23
